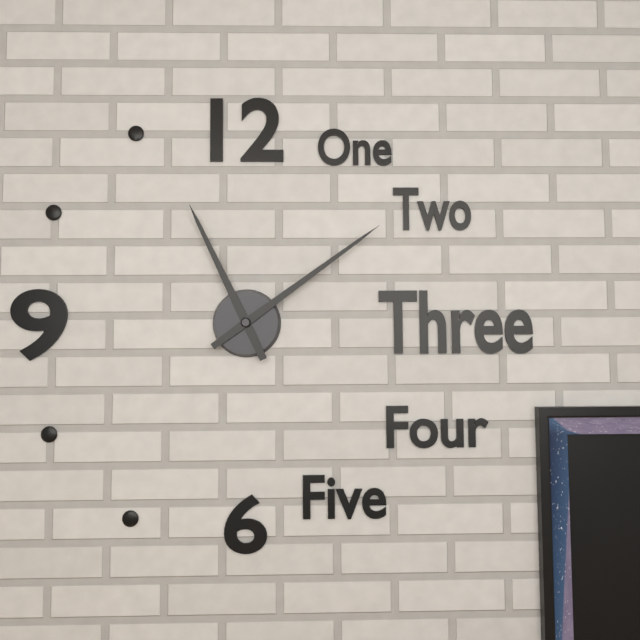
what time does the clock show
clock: 11:09
